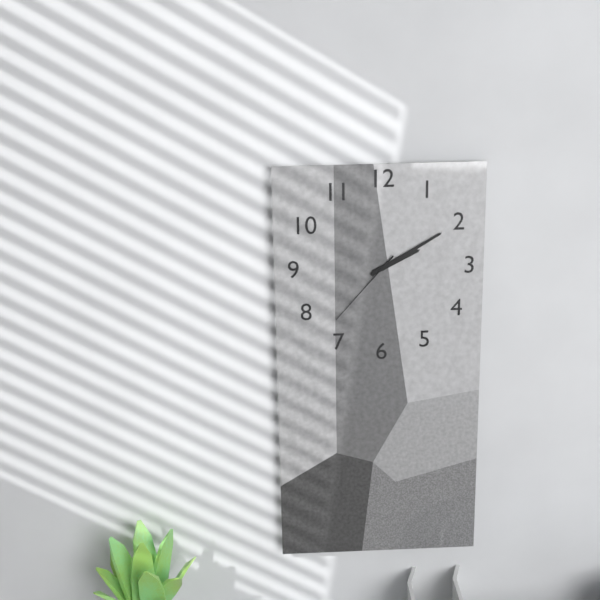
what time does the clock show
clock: 2:10:37
